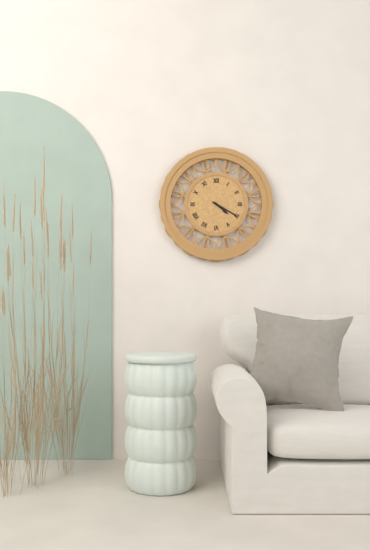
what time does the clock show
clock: 4:20
